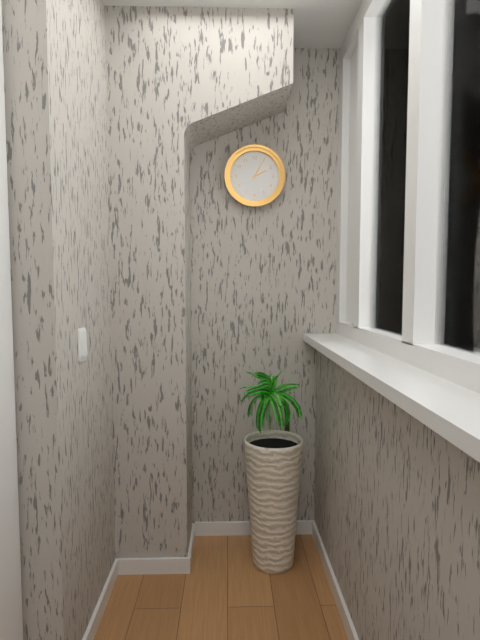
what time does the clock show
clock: 2:05
